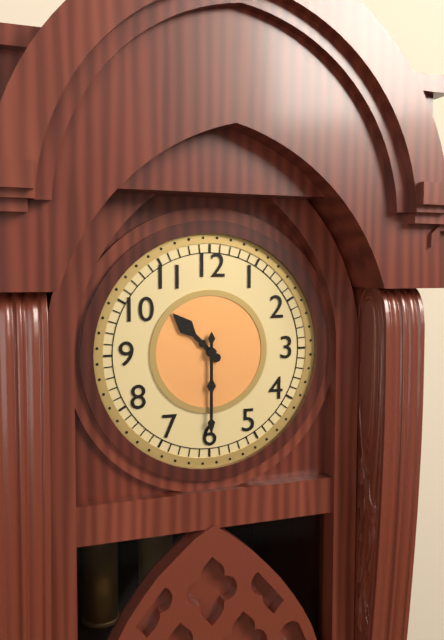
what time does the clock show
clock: 10:30
